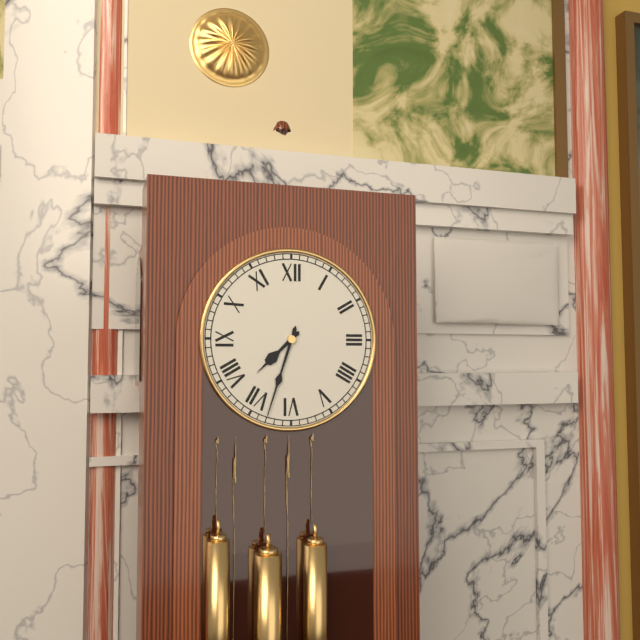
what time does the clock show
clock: 7:33
